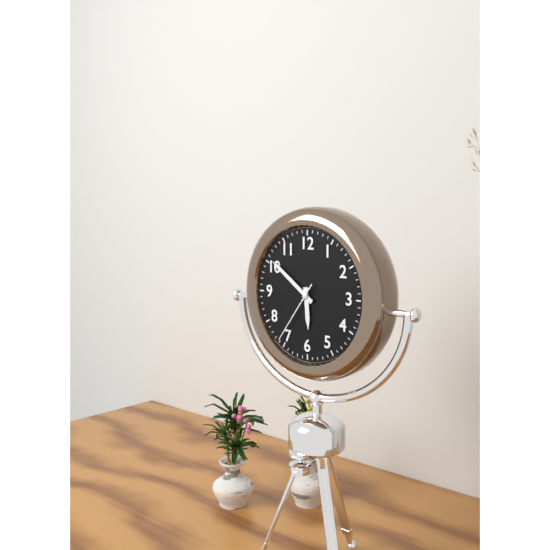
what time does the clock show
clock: 5:51:36
